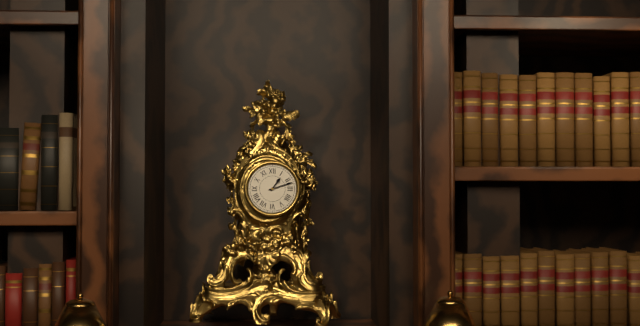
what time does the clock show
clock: 1:12
